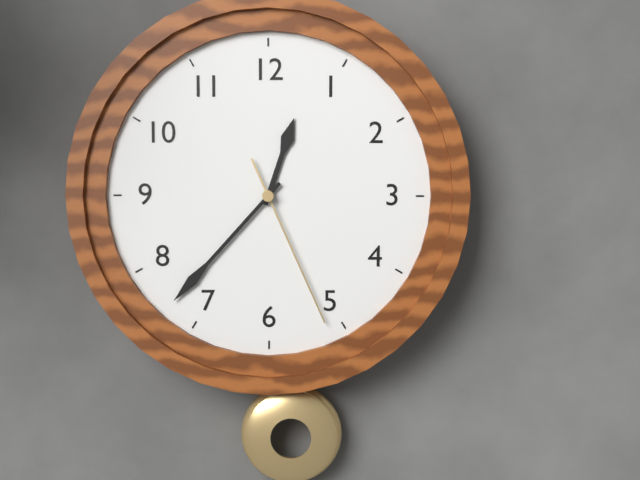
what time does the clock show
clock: 12:37:26
